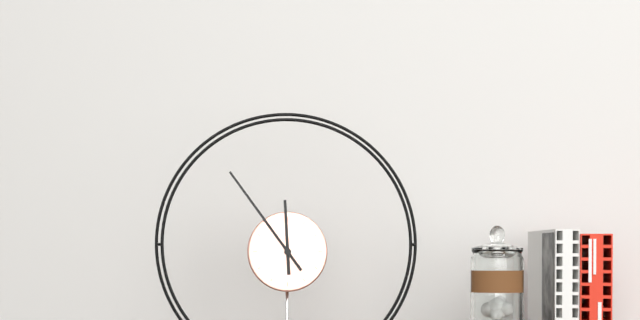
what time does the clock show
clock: 11:54
